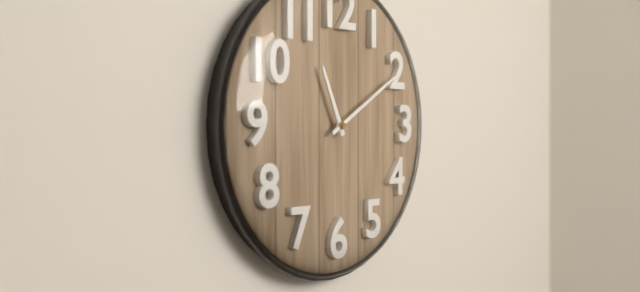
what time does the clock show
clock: 11:10
